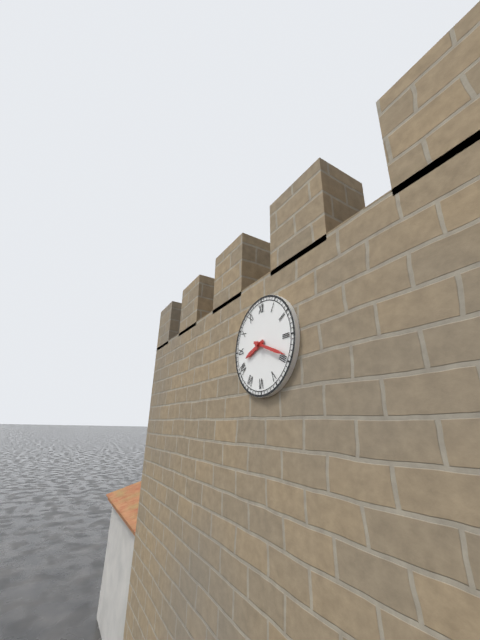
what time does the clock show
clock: 8:19
